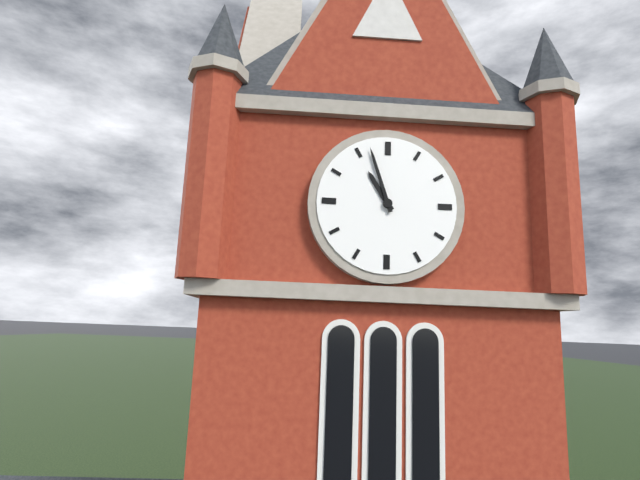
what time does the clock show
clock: 10:57
